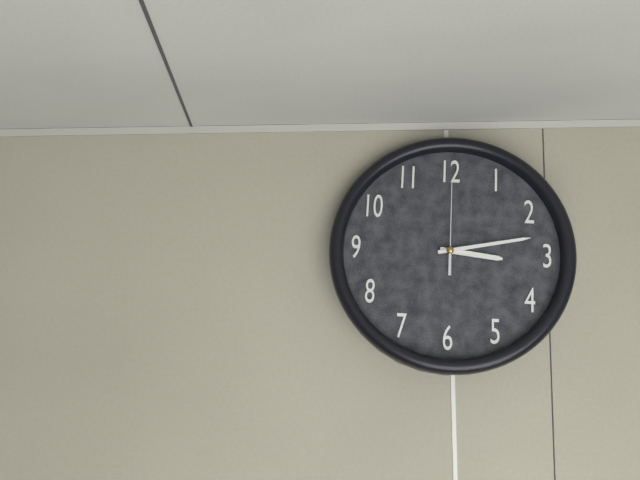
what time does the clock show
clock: 3:13:00
